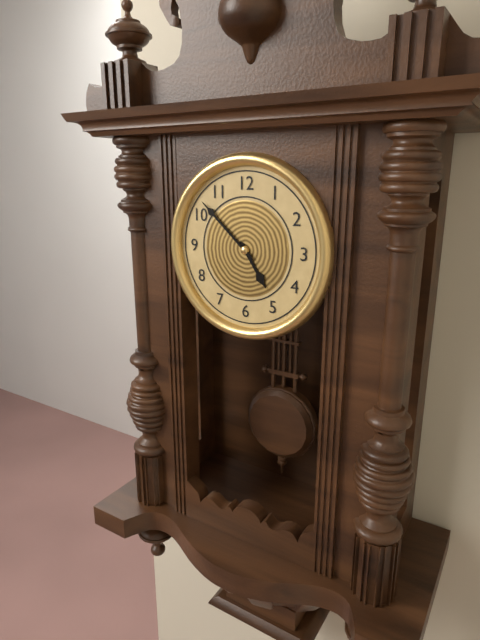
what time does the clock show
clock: 4:52
